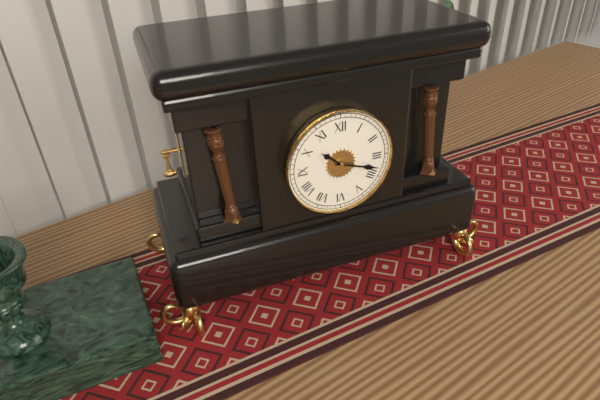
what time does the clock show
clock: 10:18
